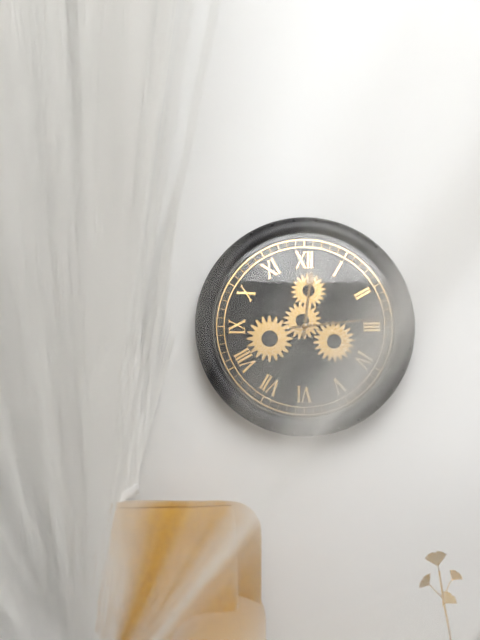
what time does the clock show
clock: 12:14
